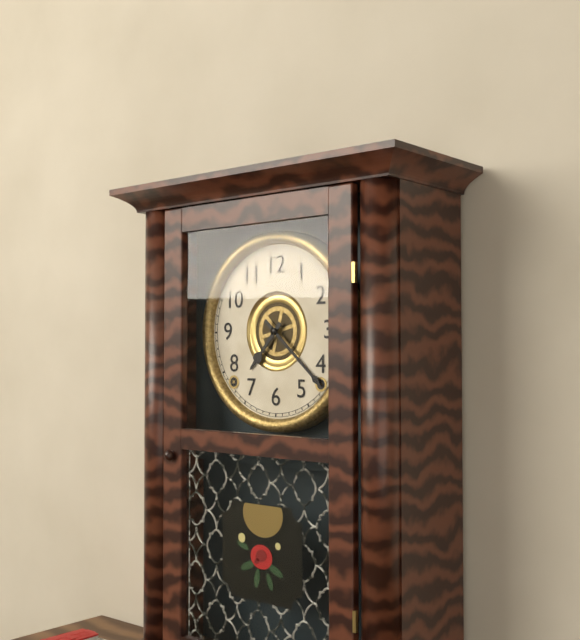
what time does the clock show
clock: 7:22
